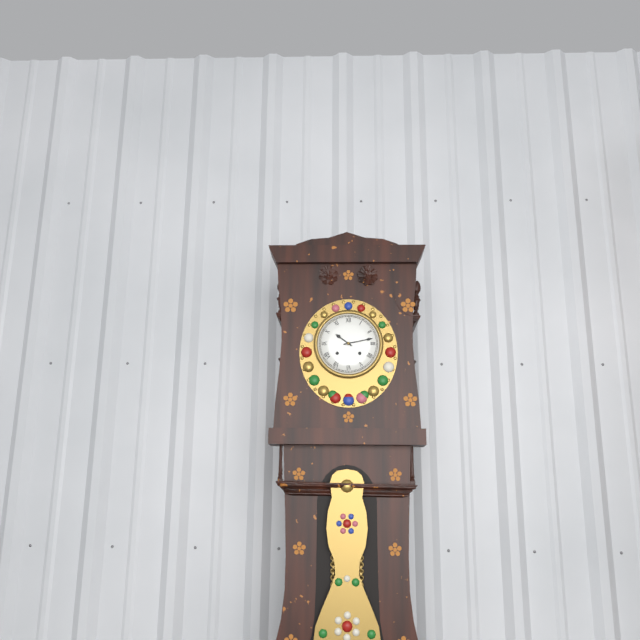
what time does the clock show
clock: 10:13
